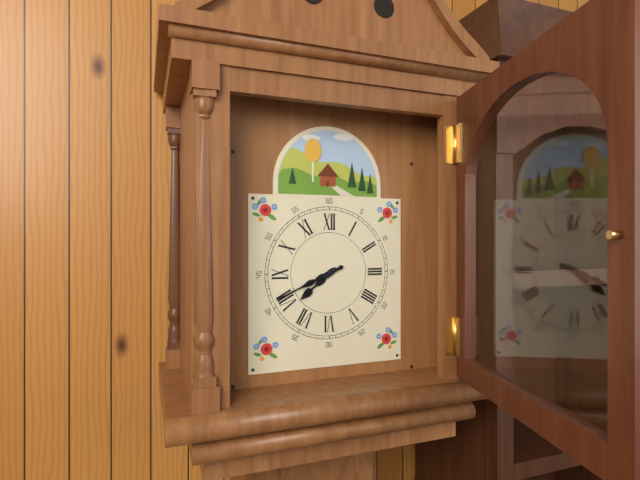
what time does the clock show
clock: 7:41
